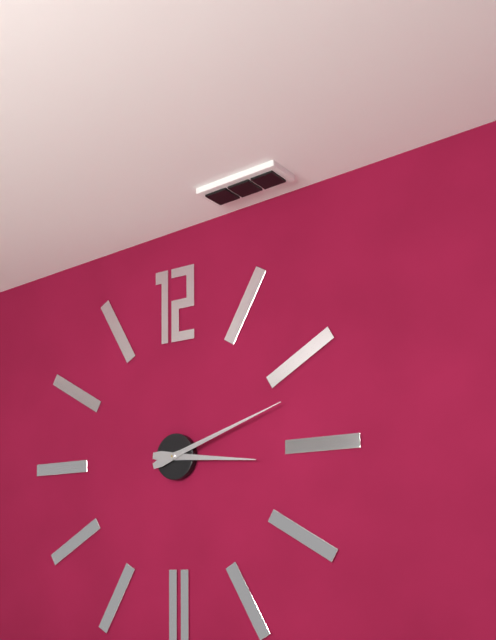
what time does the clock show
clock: 3:12
